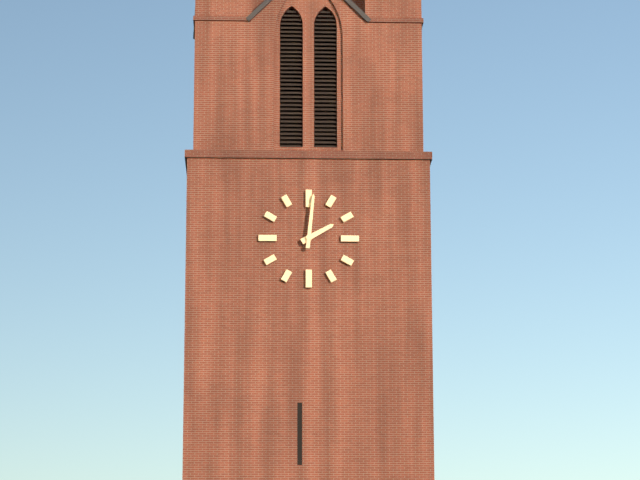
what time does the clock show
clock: 2:01
